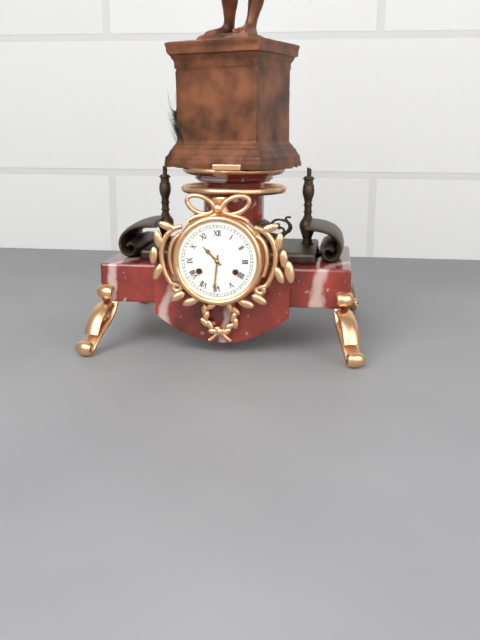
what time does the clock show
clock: 10:31
